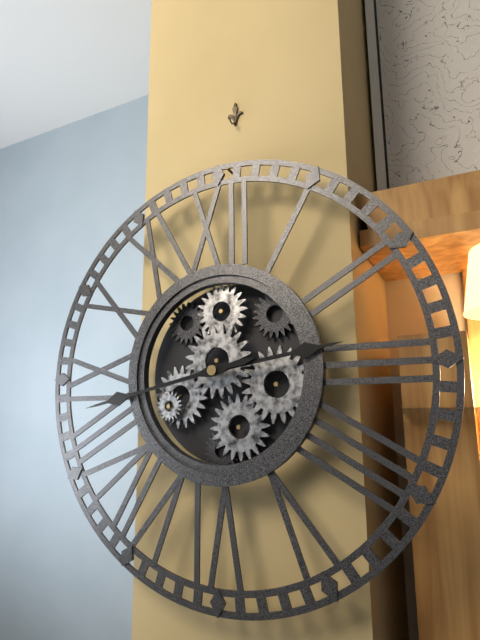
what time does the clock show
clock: 2:43
